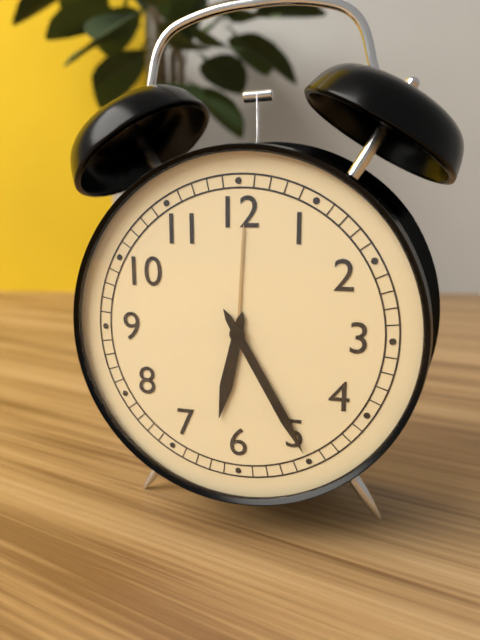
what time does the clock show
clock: 6:25
